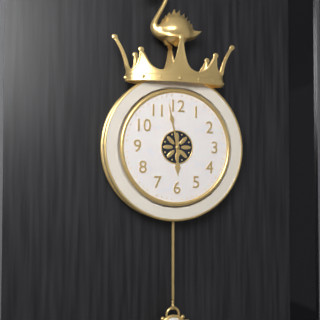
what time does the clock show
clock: 5:58
